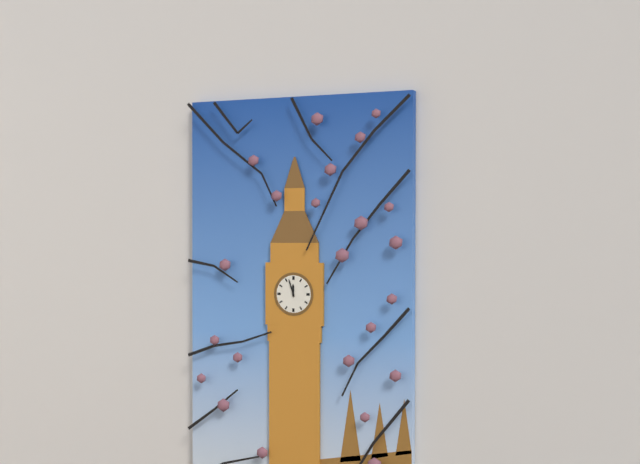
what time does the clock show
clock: 11:57
